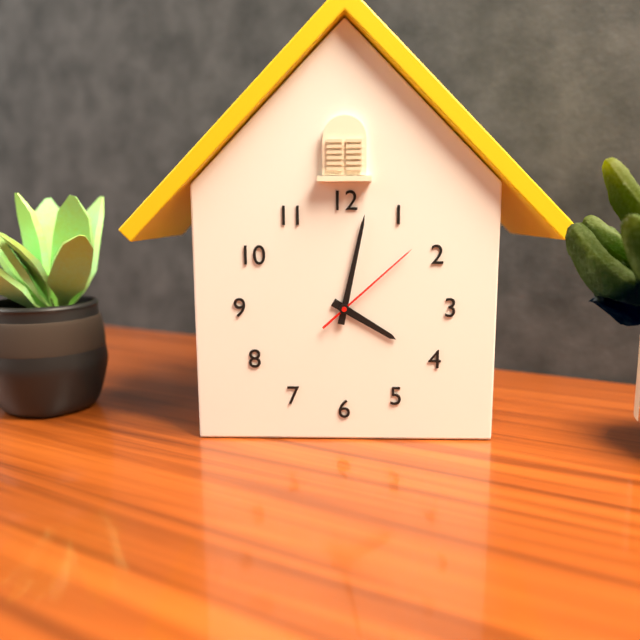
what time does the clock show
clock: 4:02:08
